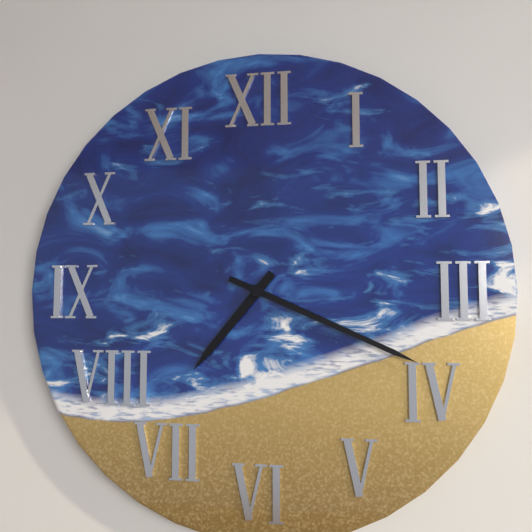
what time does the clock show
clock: 7:19
